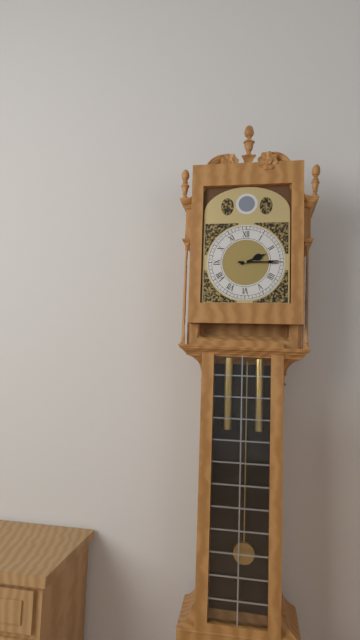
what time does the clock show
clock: 2:15
